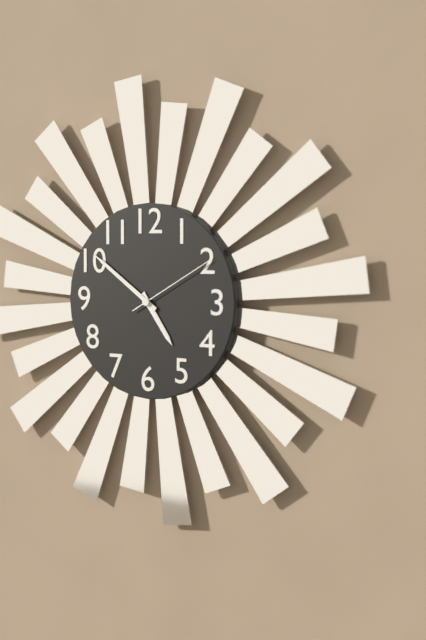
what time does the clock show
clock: 4:51:10
